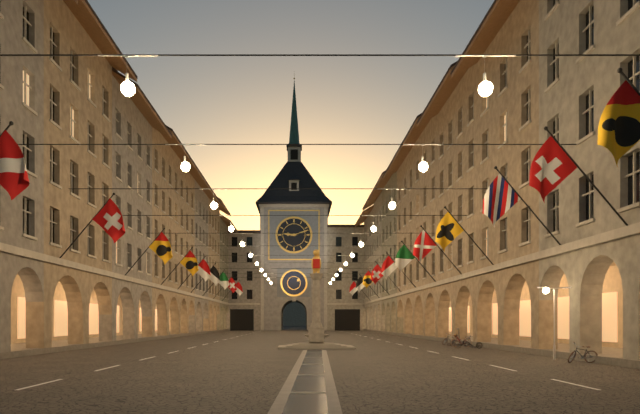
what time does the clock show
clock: 9:12
